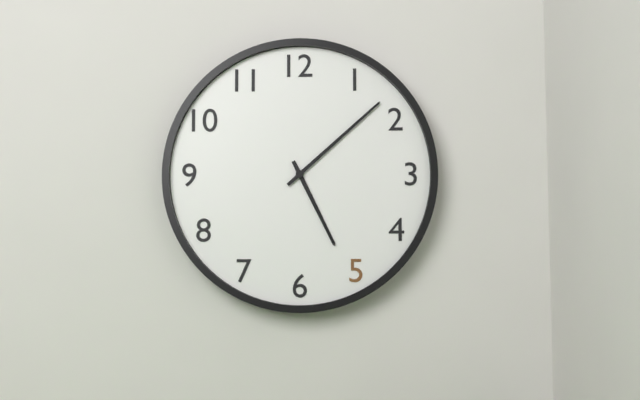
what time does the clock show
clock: 5:08
